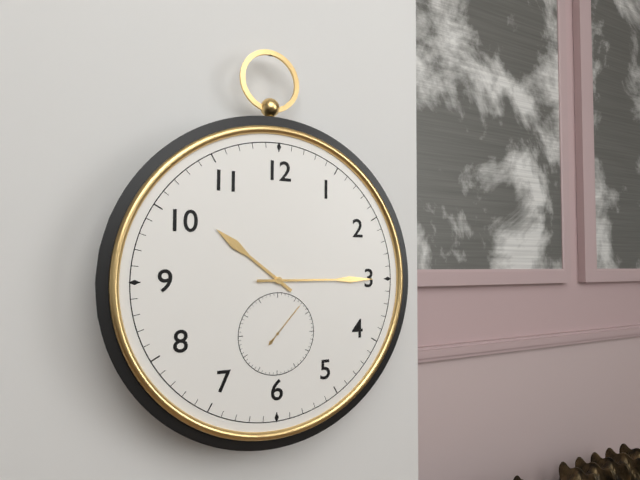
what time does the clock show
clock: 10:15:07
